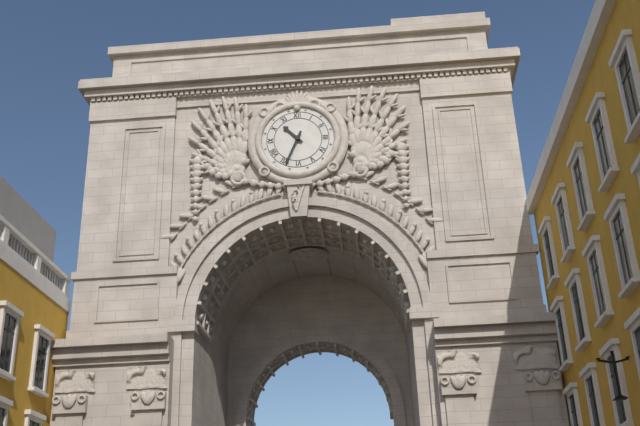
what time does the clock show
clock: 10:34
